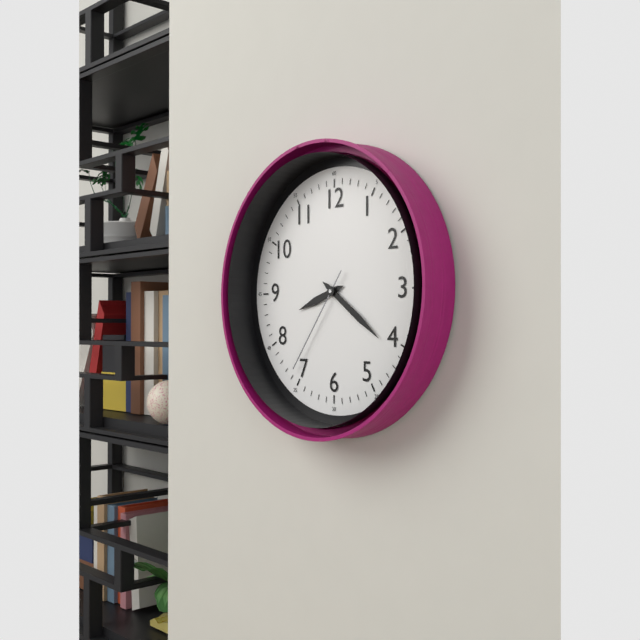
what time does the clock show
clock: 8:21:36
